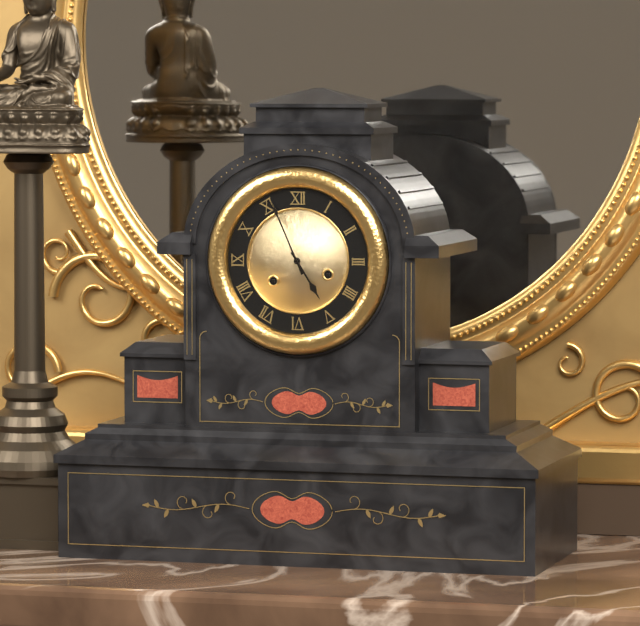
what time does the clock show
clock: 4:56
